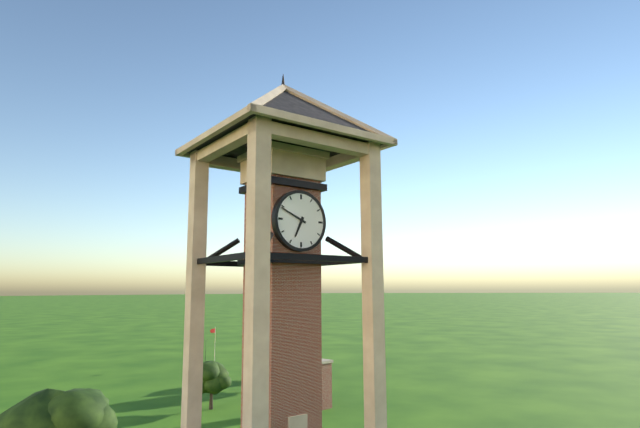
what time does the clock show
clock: 6:49
